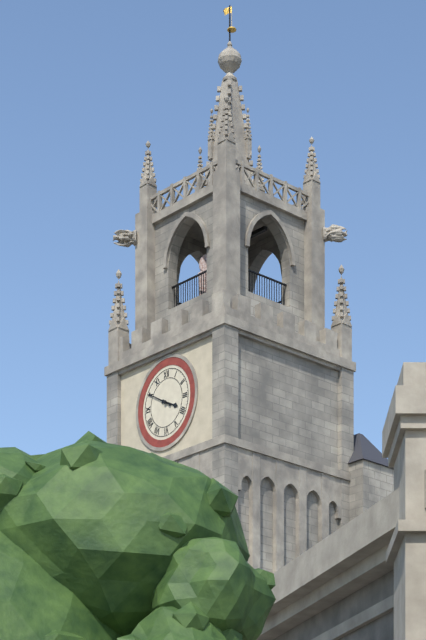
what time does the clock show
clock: 3:50
